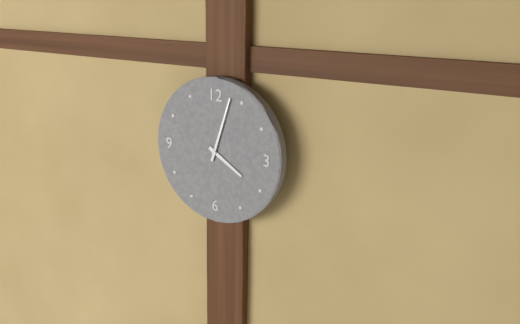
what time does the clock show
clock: 4:03
